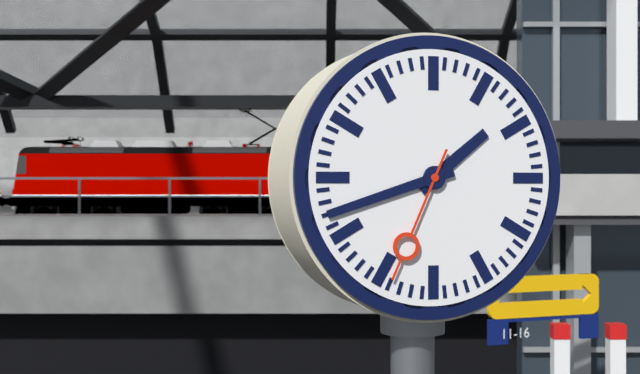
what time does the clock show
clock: 1:42:34
